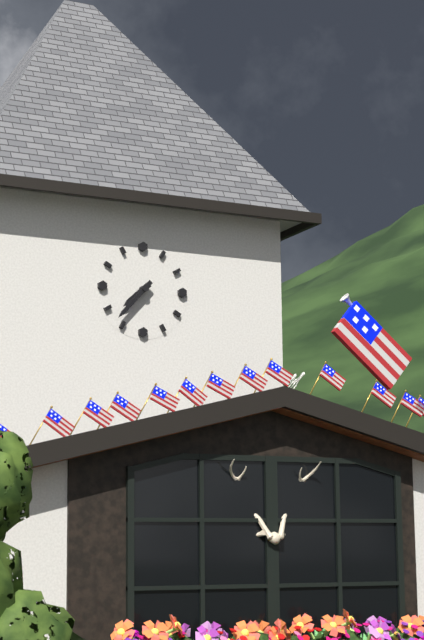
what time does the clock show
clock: 7:37
